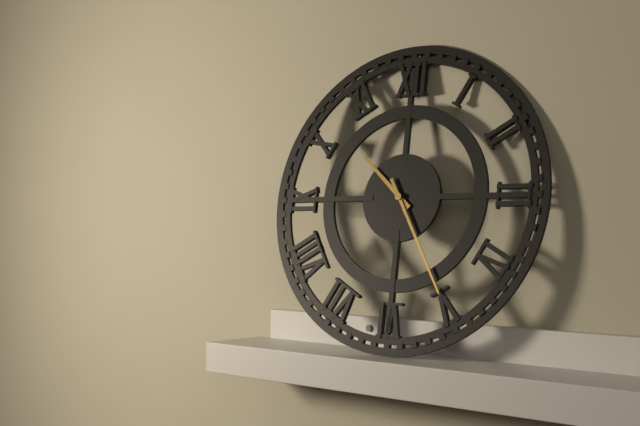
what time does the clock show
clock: 10:25
